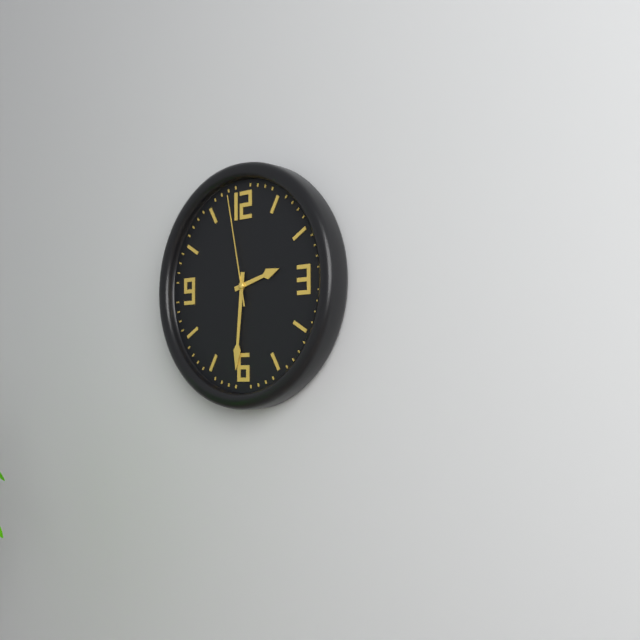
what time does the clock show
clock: 2:31:58
